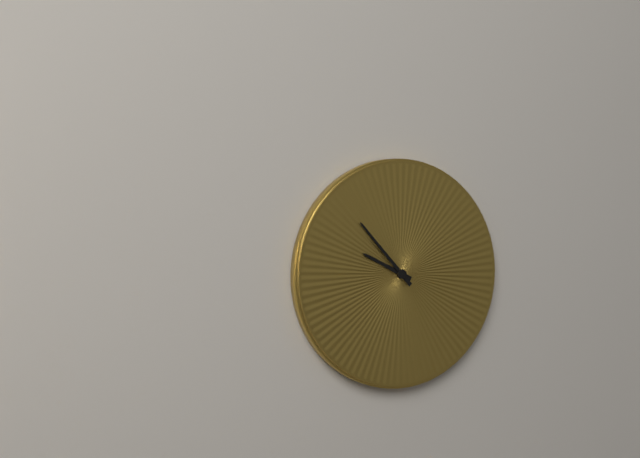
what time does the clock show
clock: 9:53
